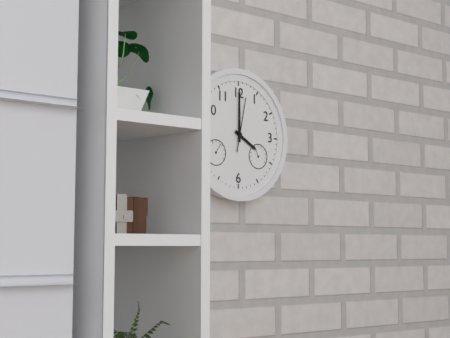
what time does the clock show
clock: 4:00
